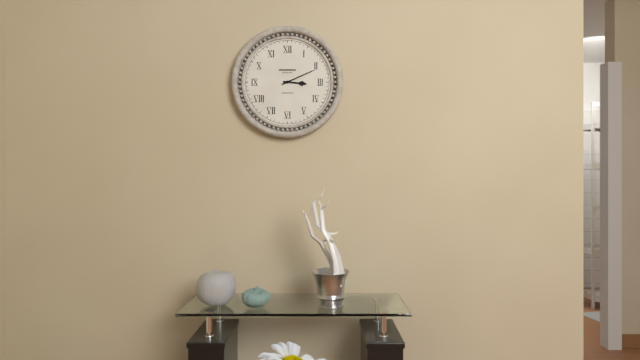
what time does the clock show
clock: 3:11
